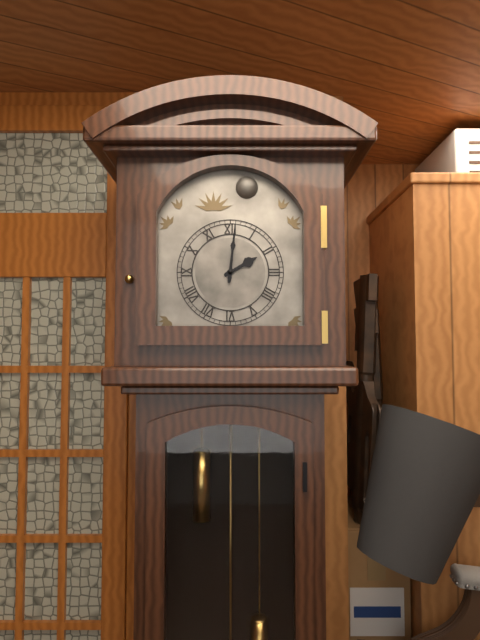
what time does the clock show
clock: 2:01
